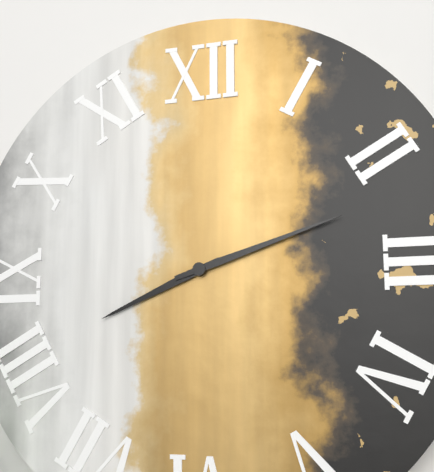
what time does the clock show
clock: 8:12
